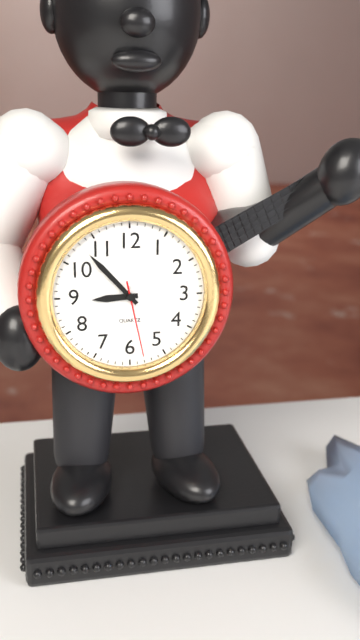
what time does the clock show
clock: 8:53:28
